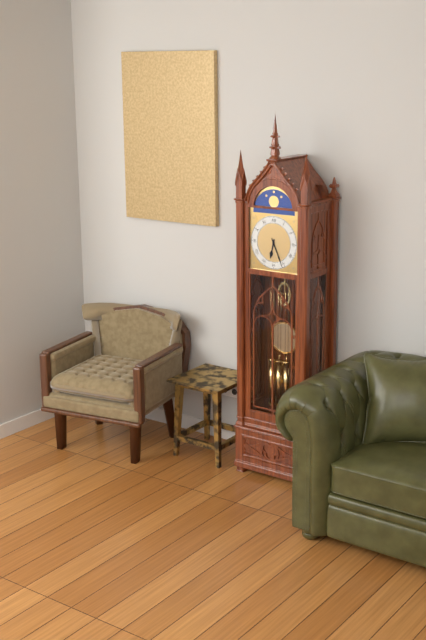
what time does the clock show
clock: 6:26
